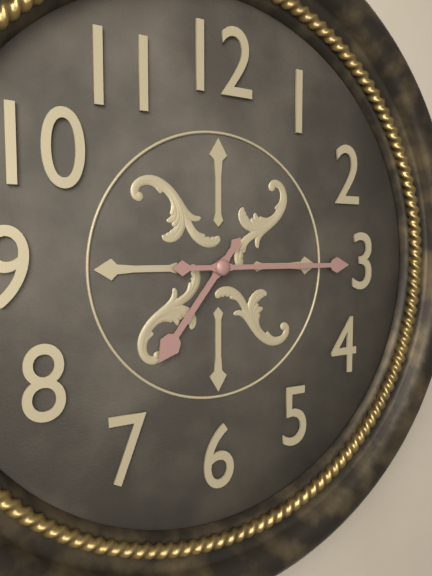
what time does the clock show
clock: 7:15
